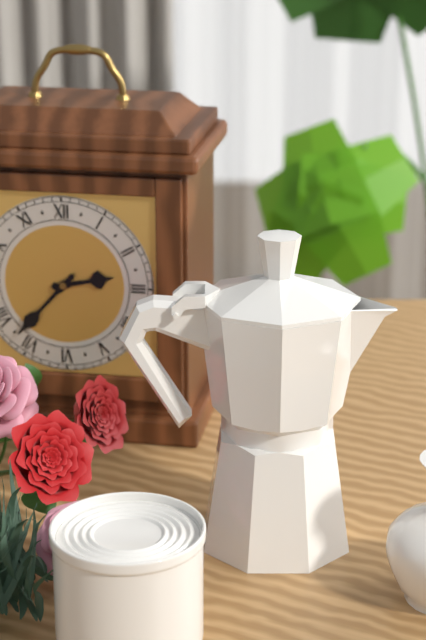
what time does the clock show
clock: 2:37
